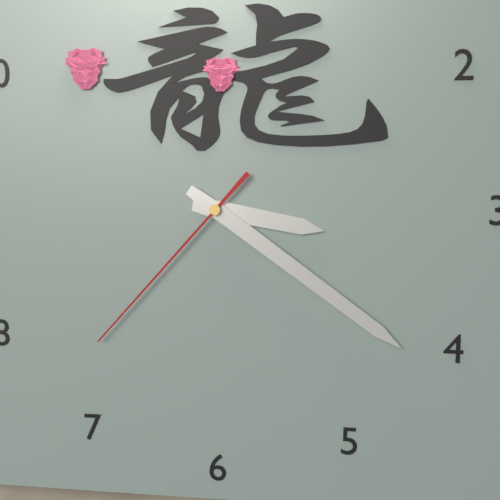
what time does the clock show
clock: 3:21:37
